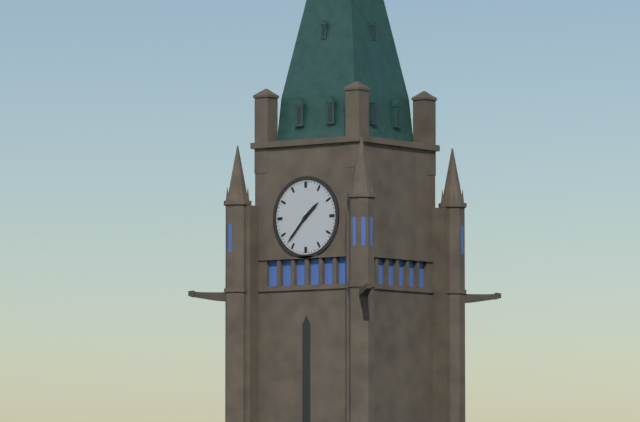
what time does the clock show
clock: 1:37
